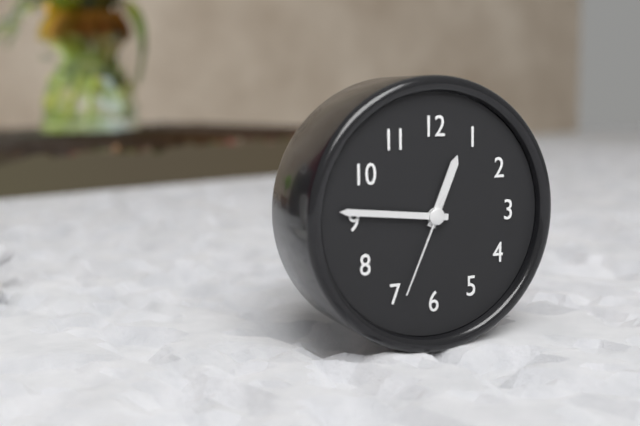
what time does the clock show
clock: 12:46:34
